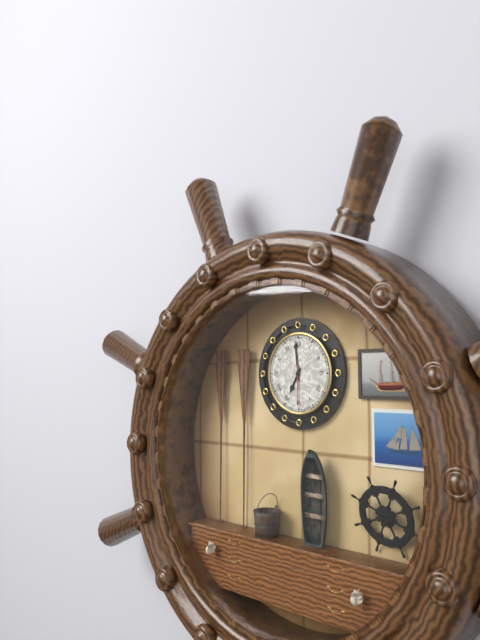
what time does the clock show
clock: 6:59
